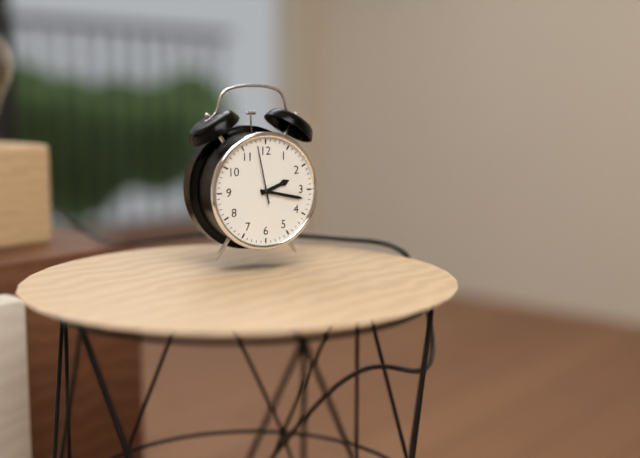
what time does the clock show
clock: 2:17:58
